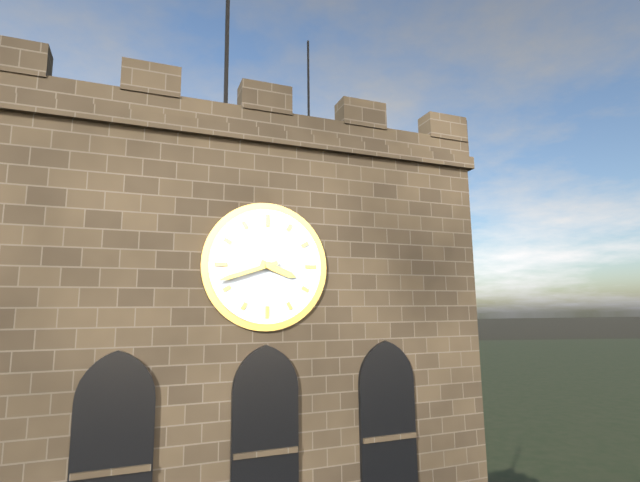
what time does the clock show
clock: 3:42
